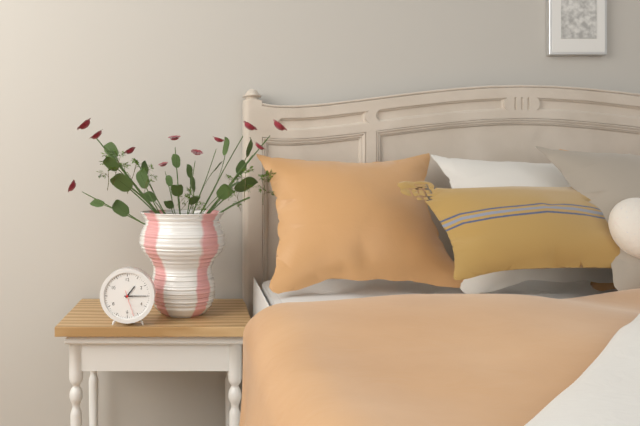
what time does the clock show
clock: 1:15
